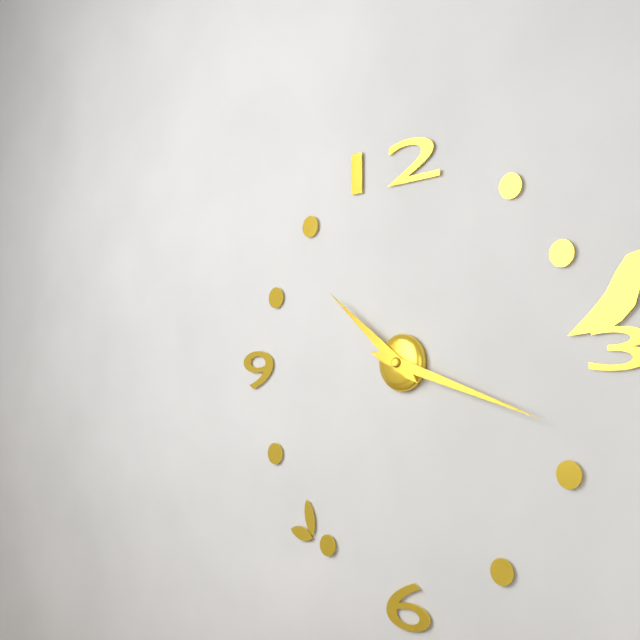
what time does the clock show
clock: 10:18
